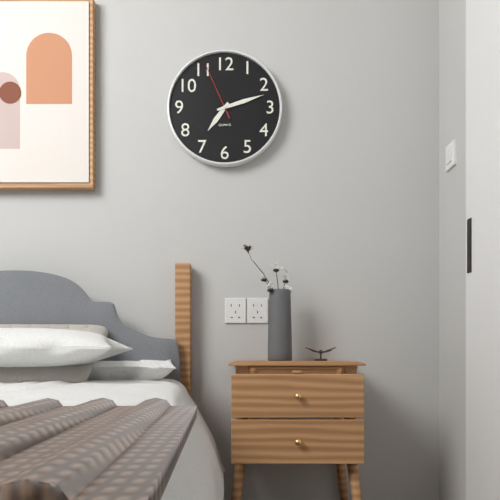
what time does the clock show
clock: 7:12:56
